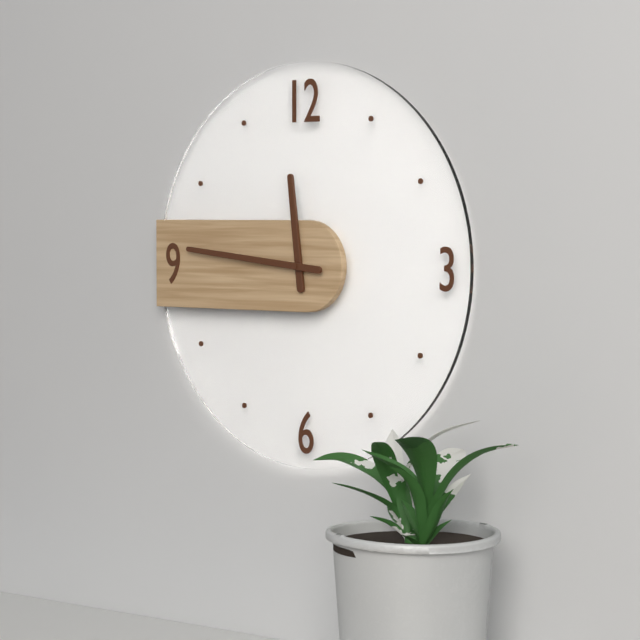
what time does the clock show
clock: 11:46
